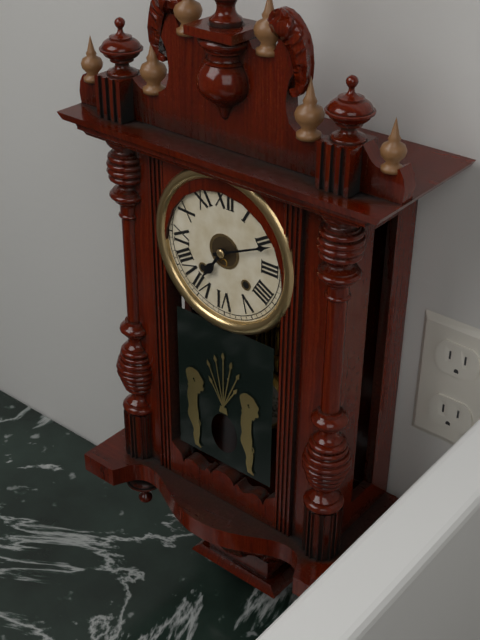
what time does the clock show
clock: 7:11
